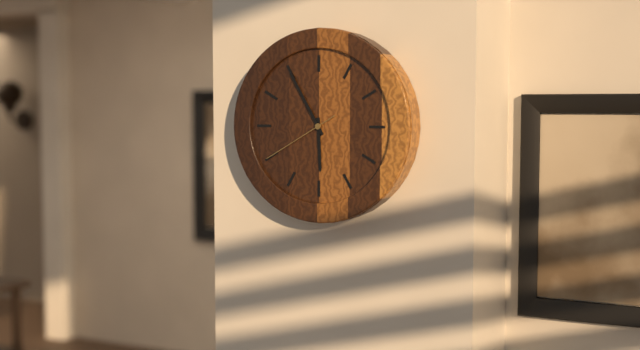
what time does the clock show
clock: 5:55:40
